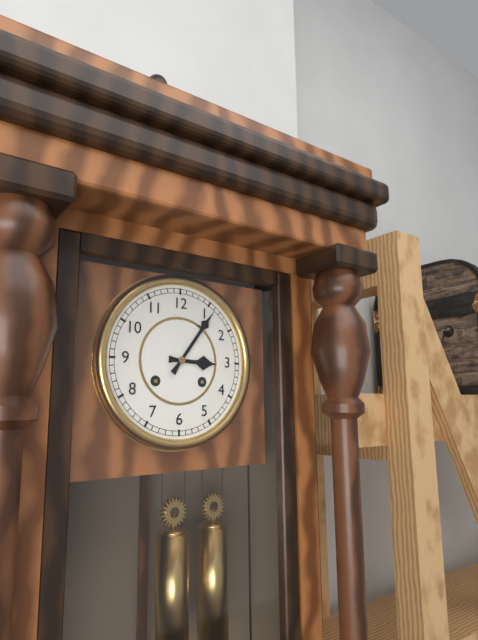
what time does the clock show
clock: 3:06
